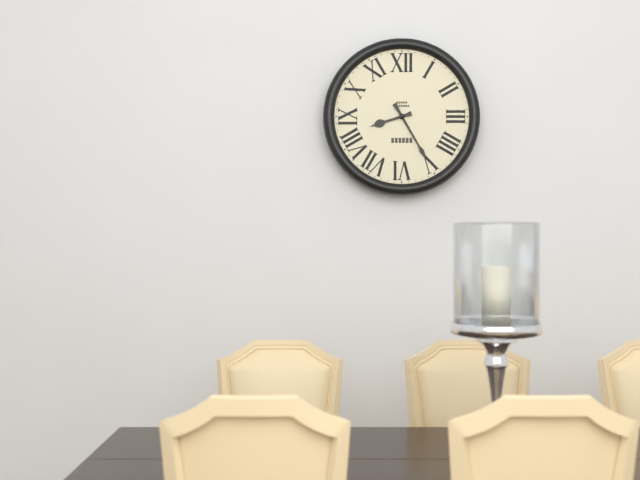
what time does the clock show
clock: 8:25
